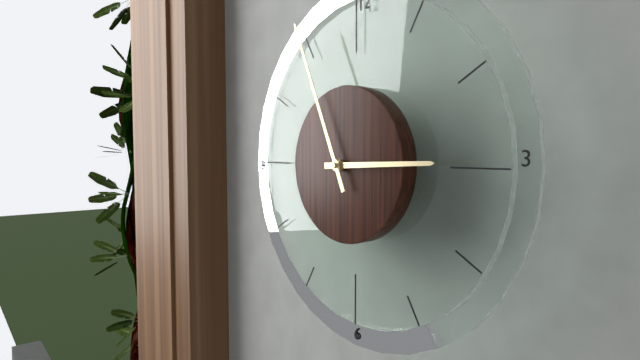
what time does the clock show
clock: 2:56
